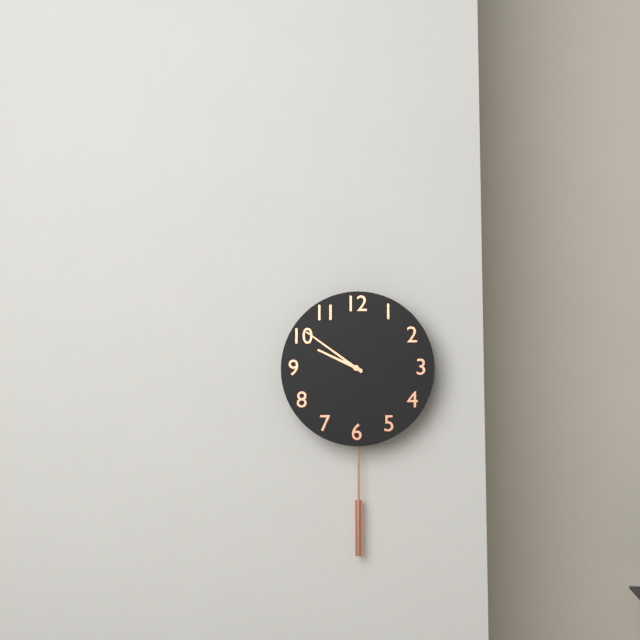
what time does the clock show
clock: 9:51
